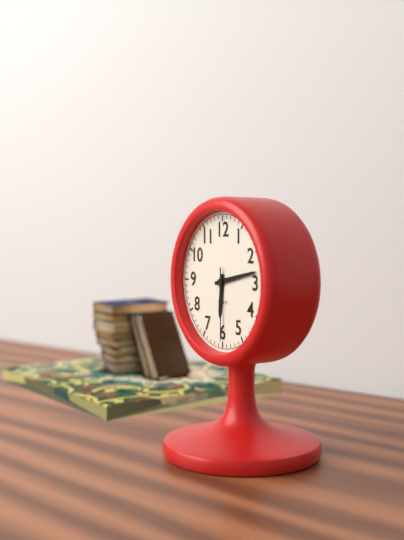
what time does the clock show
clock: 6:13:30
